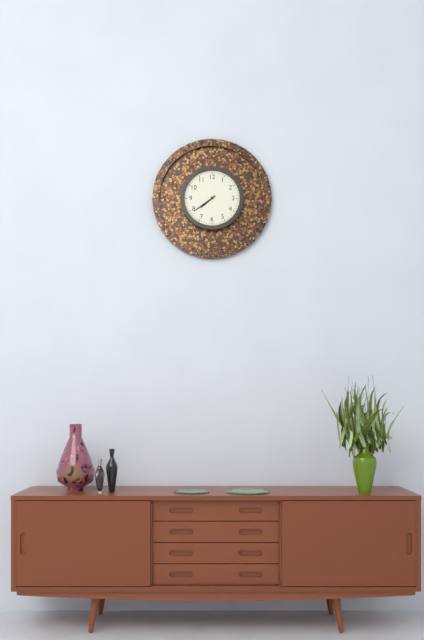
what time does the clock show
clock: 7:39
